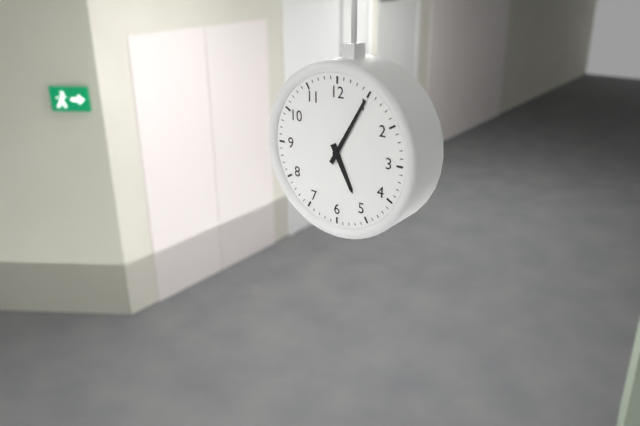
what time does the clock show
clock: 5:05
